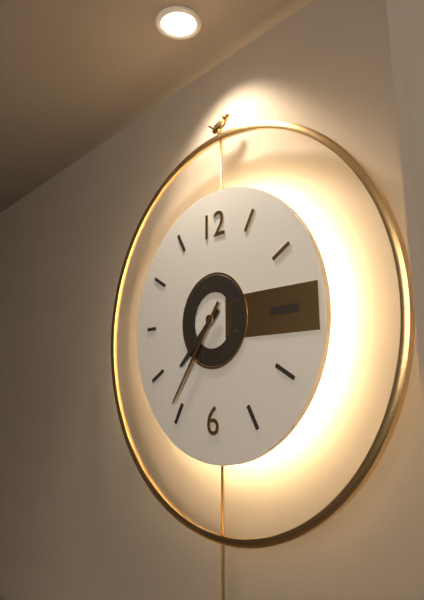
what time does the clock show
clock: 7:36
